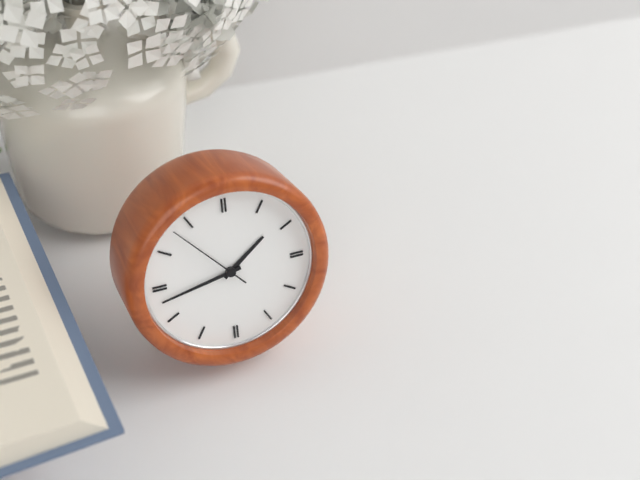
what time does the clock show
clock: 1:43:53
